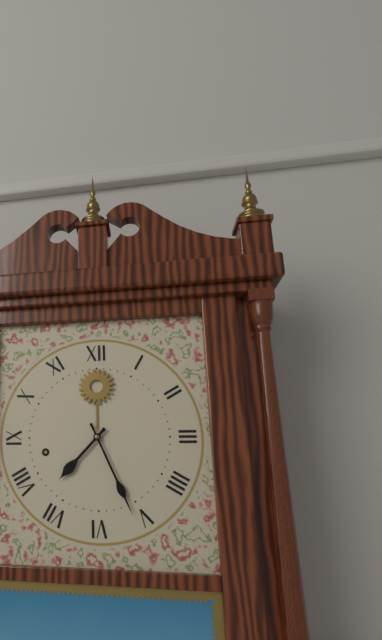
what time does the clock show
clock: 7:26
